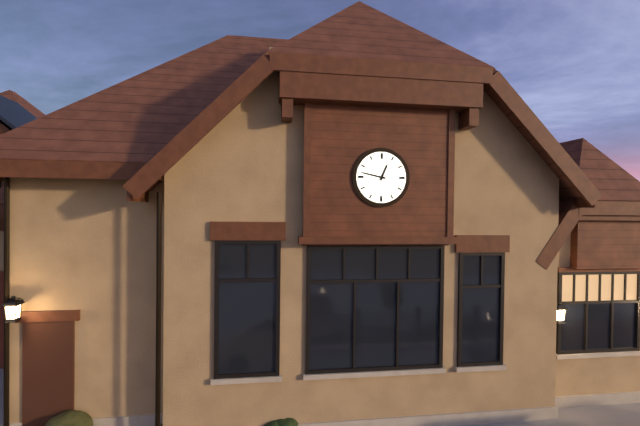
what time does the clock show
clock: 12:47
